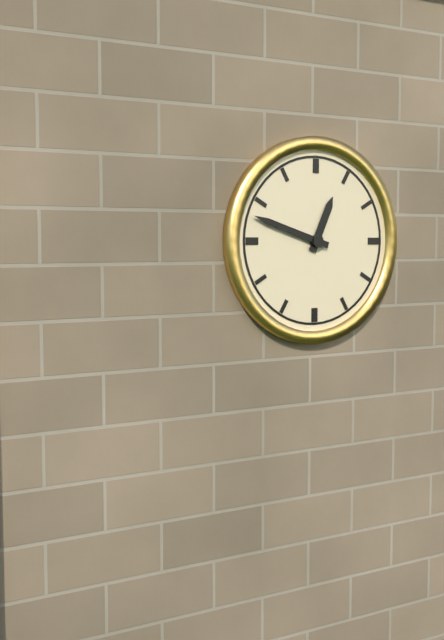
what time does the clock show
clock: 12:48
